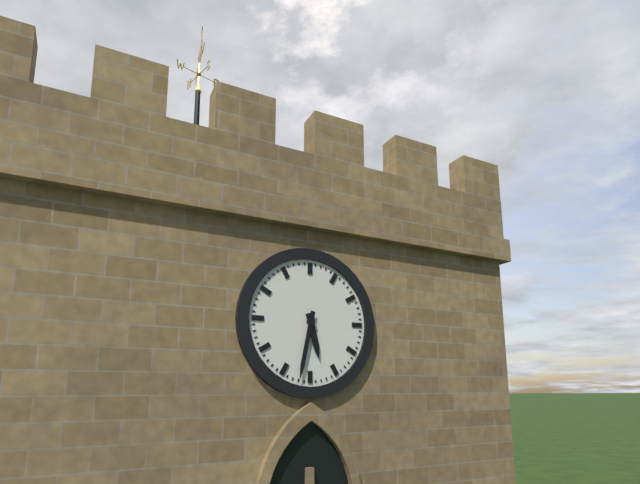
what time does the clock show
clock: 5:32
